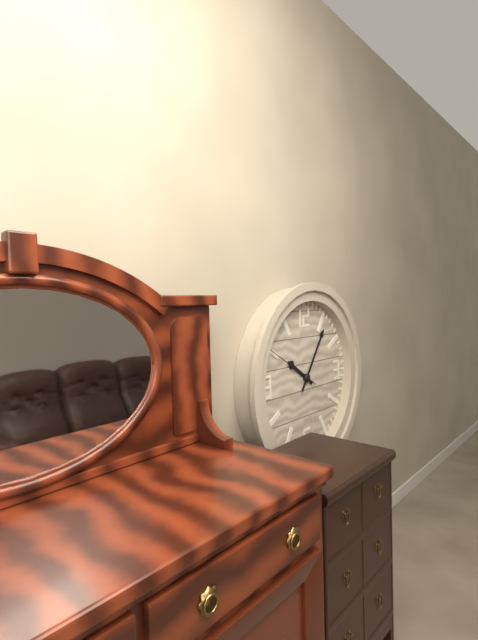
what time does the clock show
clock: 10:06:50
